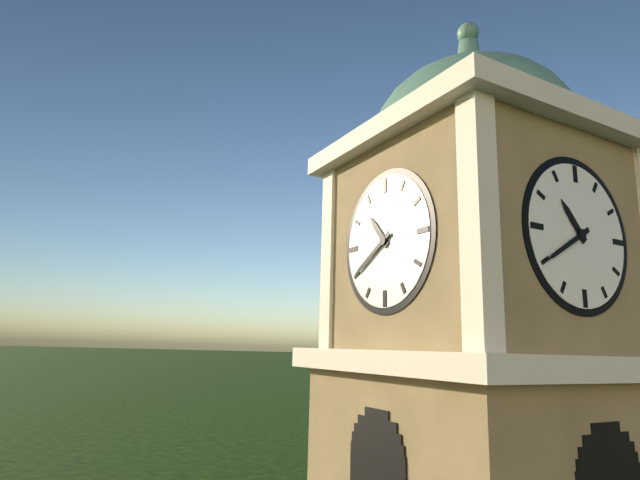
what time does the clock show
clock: 10:40
